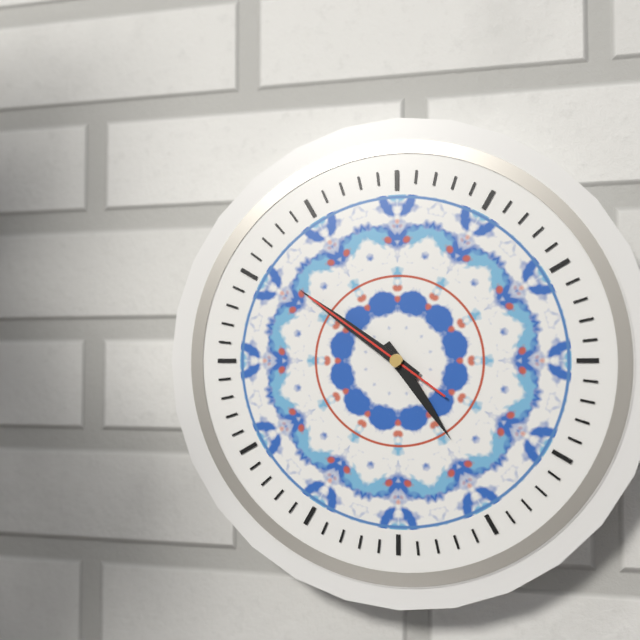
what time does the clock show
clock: 4:51:51
